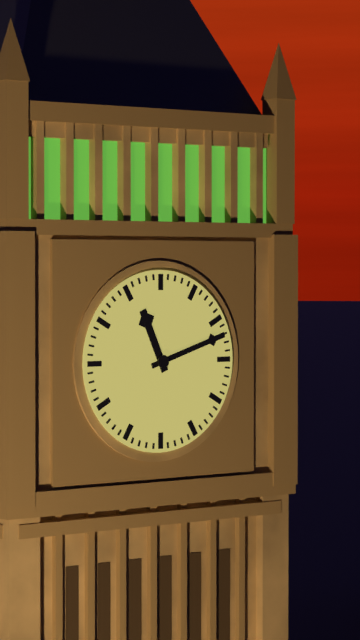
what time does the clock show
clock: 11:12
